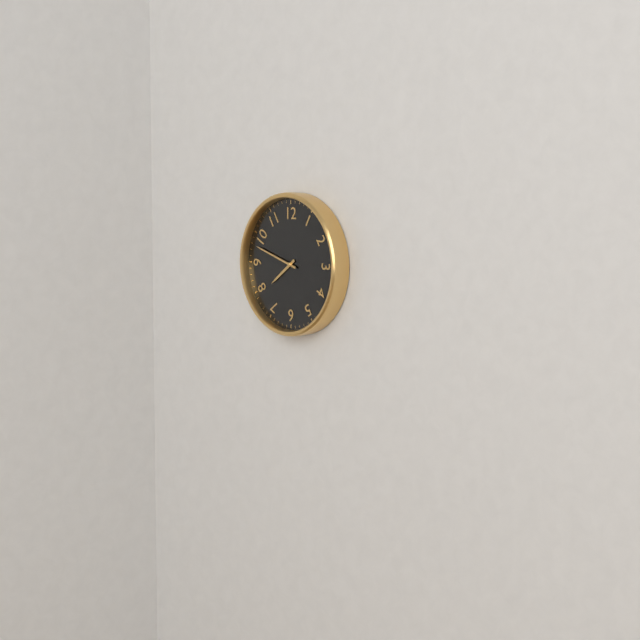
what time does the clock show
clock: 7:48
